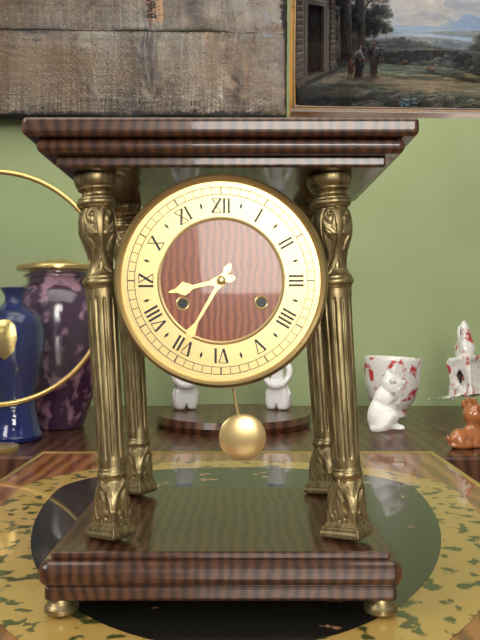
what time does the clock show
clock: 8:35
